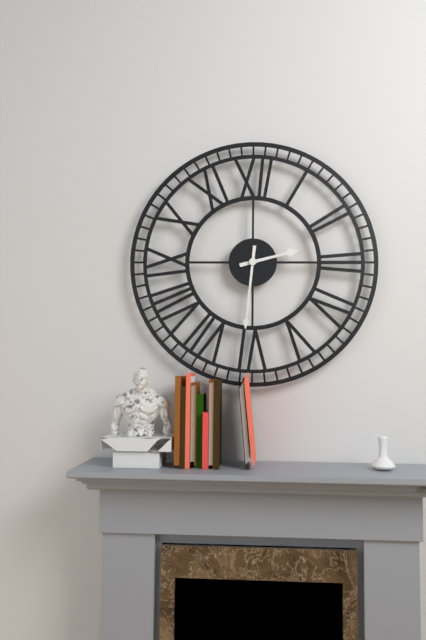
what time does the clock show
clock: 2:31
